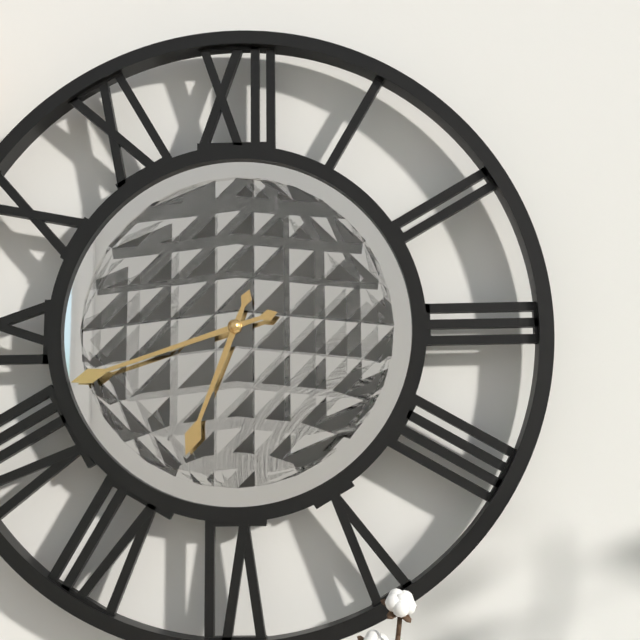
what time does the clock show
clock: 6:42
